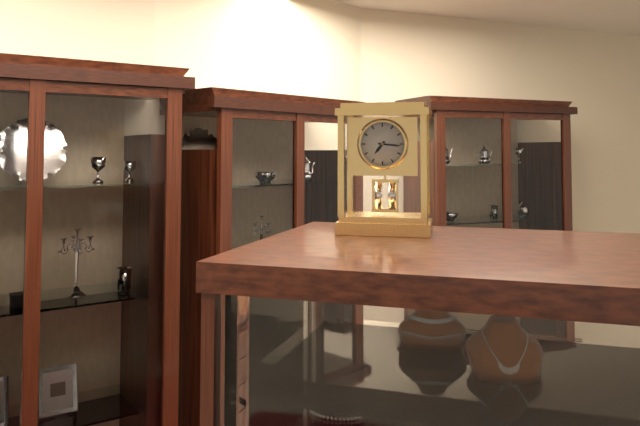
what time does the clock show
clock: 7:16
